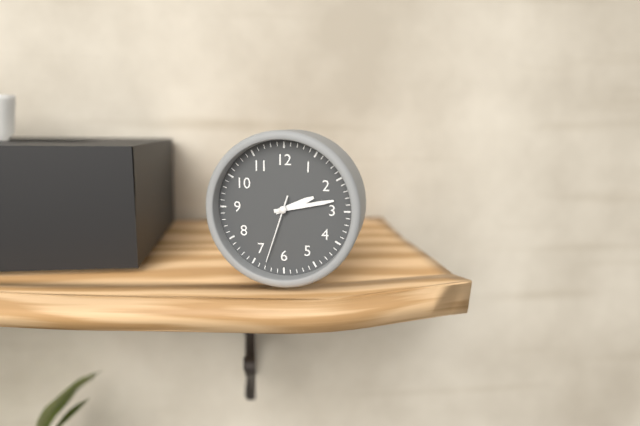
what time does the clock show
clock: 2:13:33
